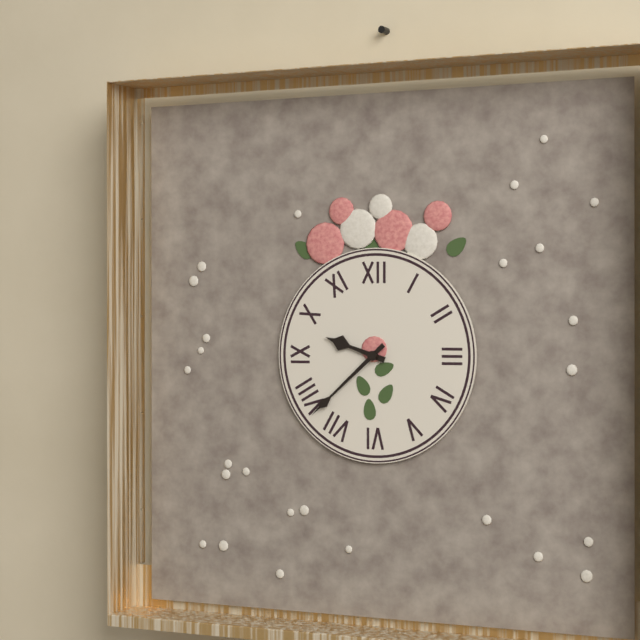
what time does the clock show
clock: 9:38
